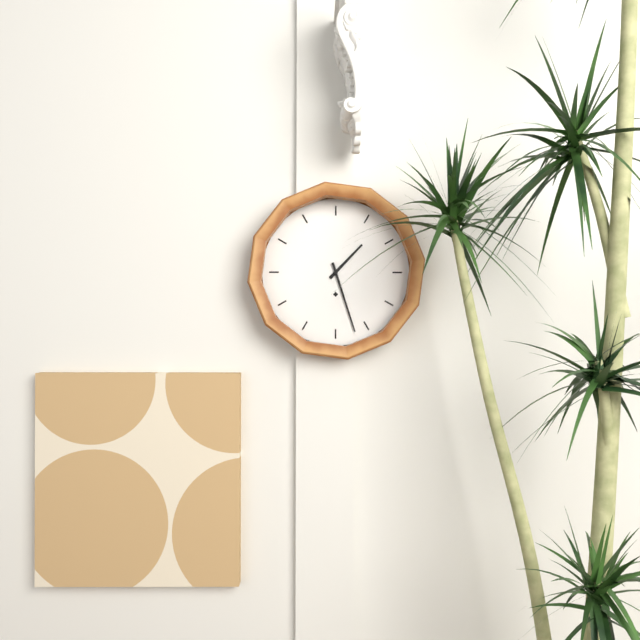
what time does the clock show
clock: 1:27
